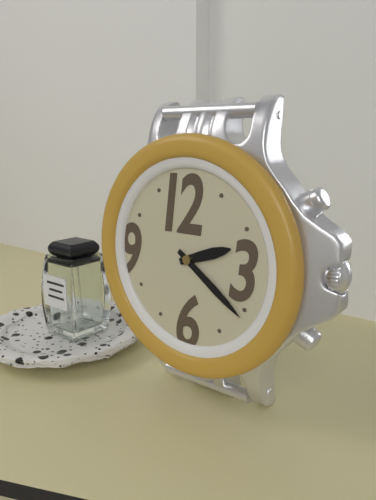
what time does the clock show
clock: 2:21
